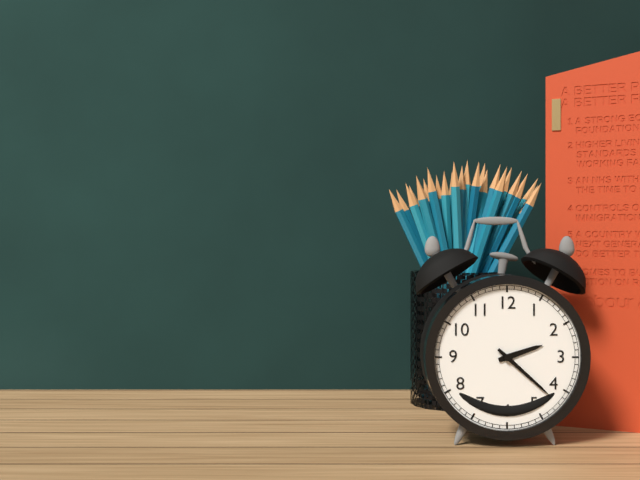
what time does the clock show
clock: 2:22
